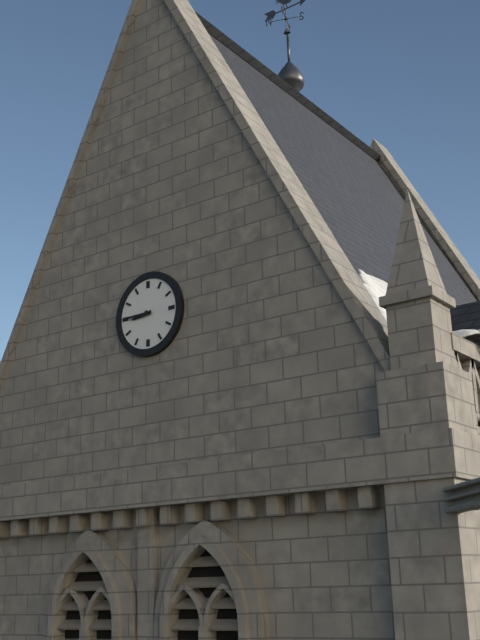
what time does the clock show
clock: 8:45
